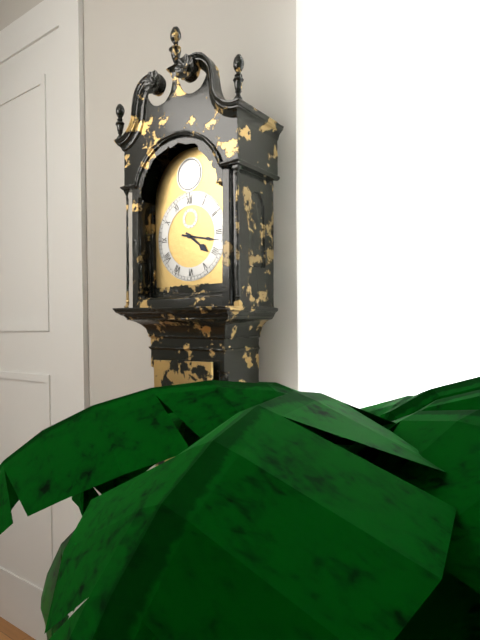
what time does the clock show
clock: 4:17
